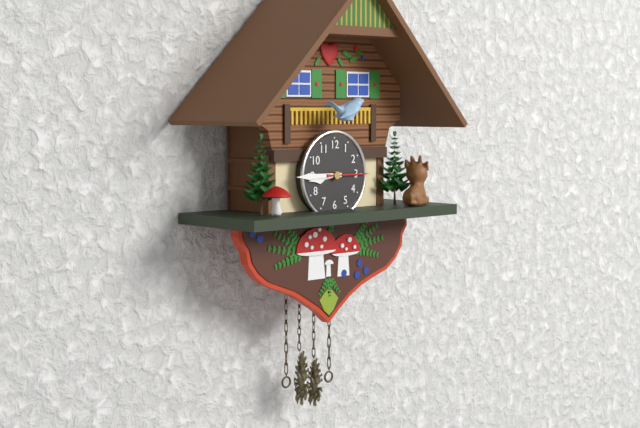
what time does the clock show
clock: 8:45
